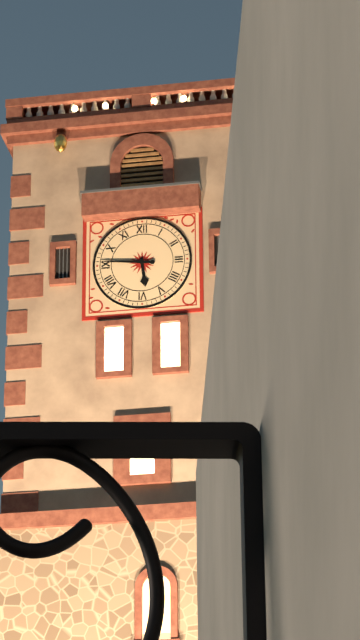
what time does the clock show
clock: 5:46
